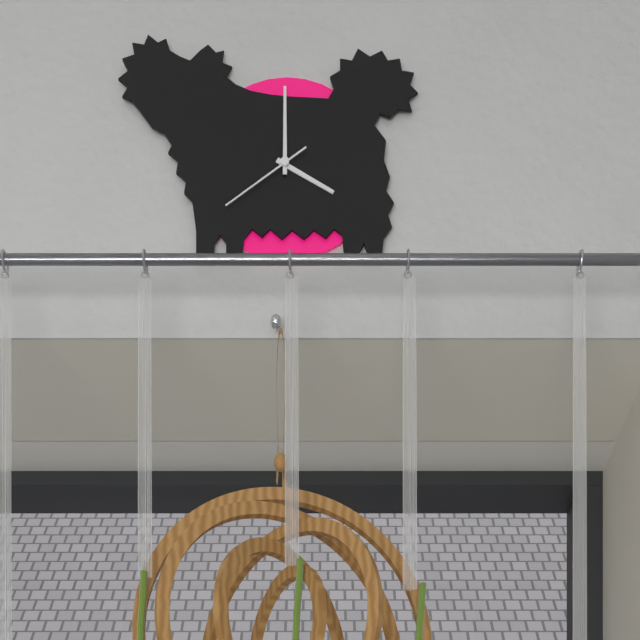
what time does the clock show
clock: 4:00:39
